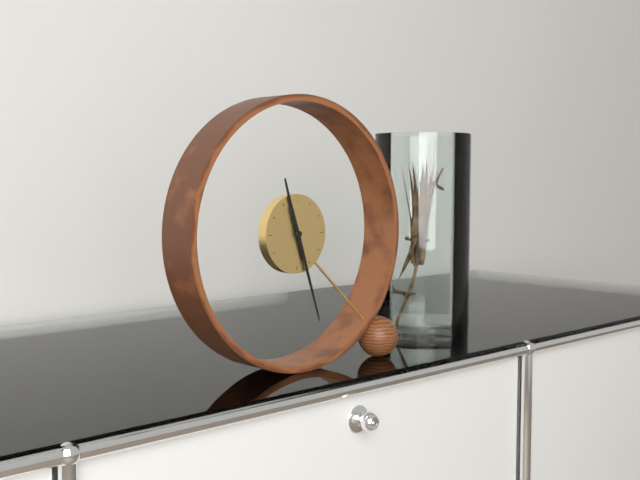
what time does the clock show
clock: 11:27
